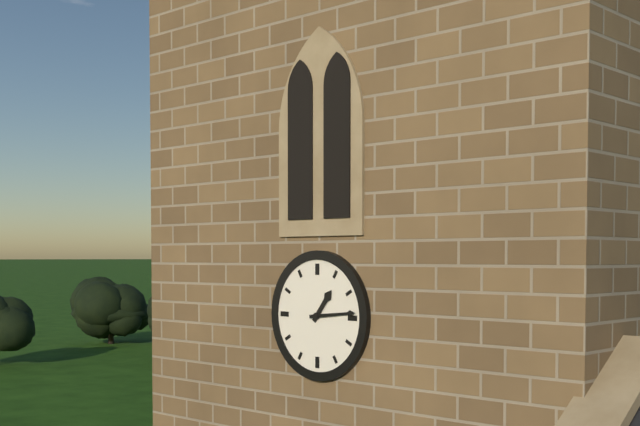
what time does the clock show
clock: 1:14
